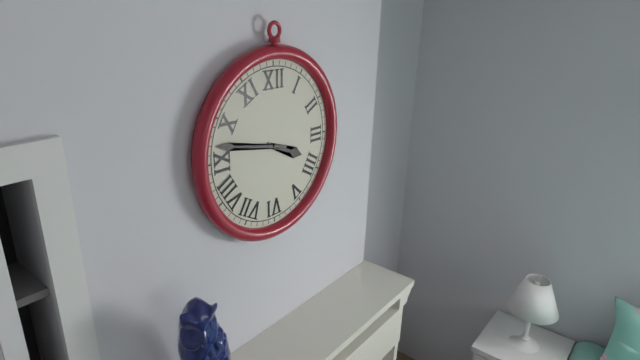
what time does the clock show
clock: 3:47
